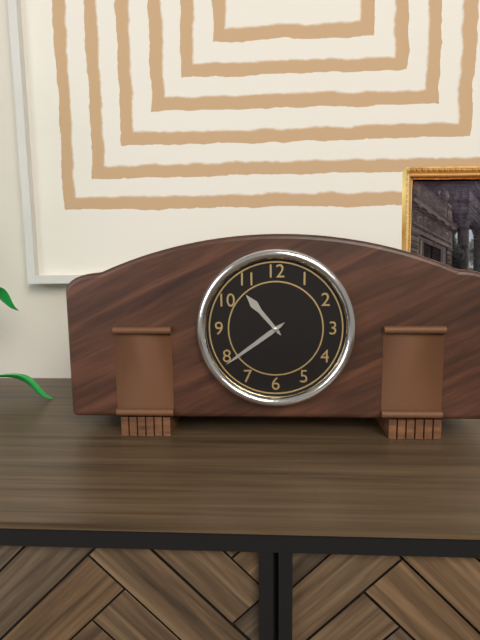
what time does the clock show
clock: 10:39
